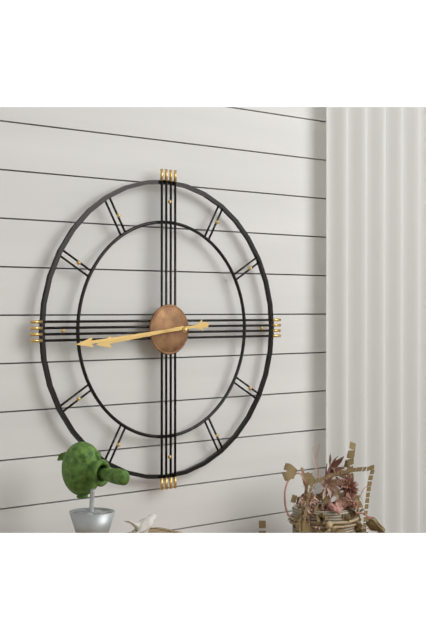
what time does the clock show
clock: 8:44
